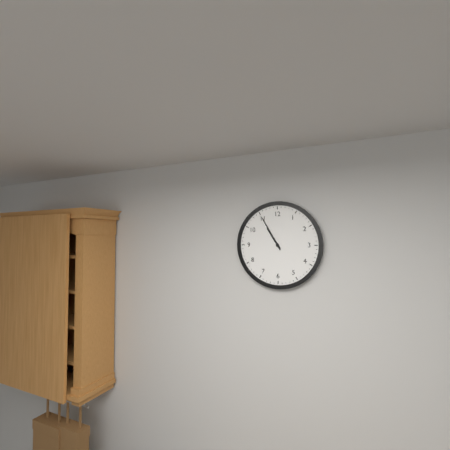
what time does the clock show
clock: 10:55
